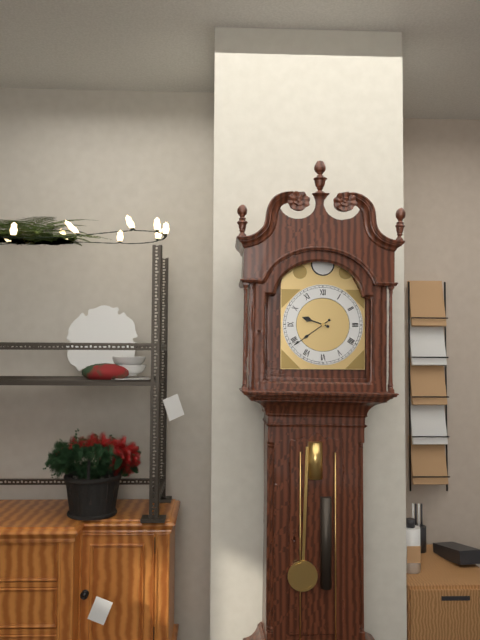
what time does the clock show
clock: 9:39
